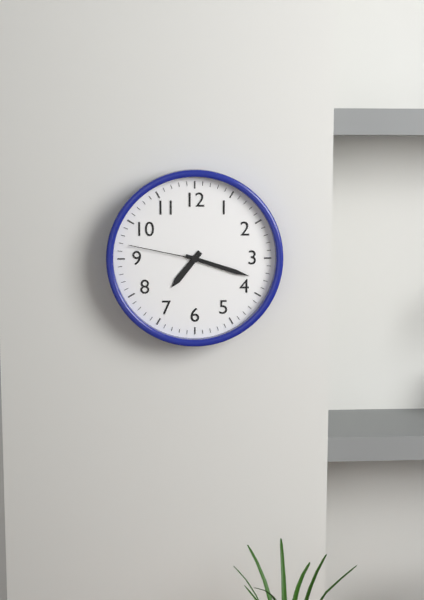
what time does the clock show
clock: 7:18:47
